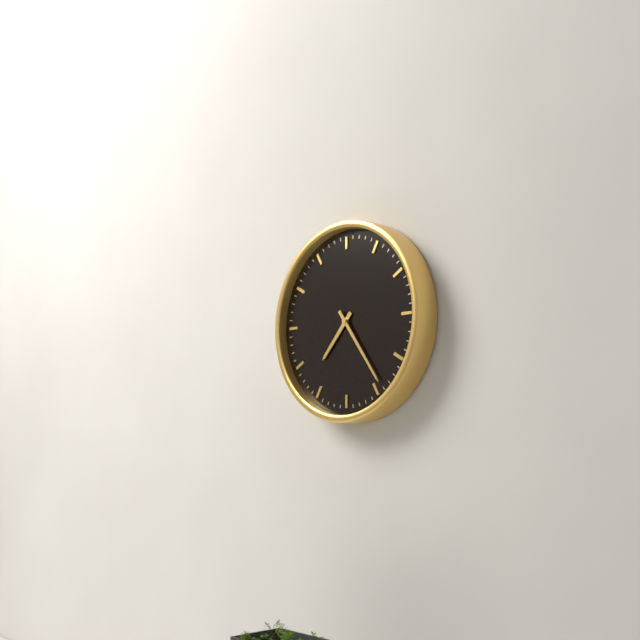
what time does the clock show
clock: 7:24
